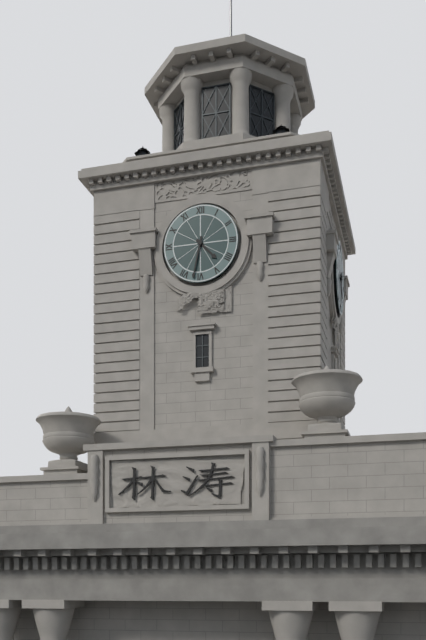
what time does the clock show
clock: 4:32
